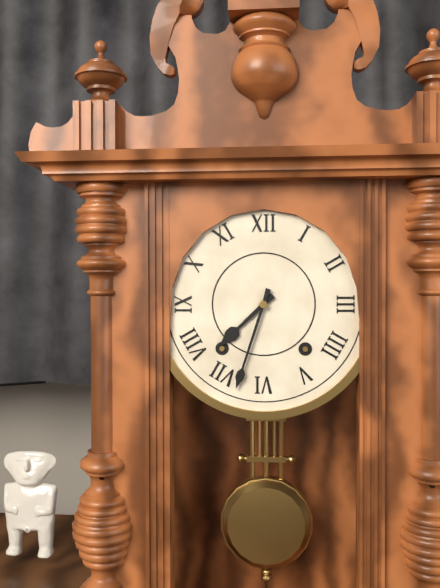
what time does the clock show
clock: 7:33
